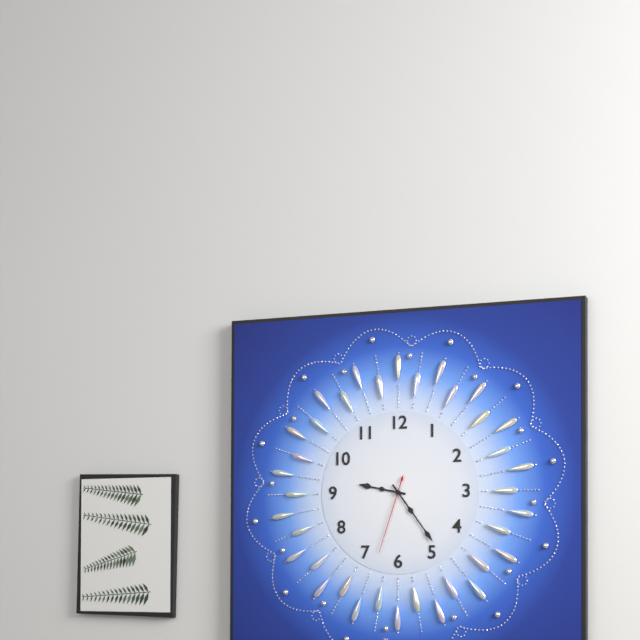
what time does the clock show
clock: 9:24:33
